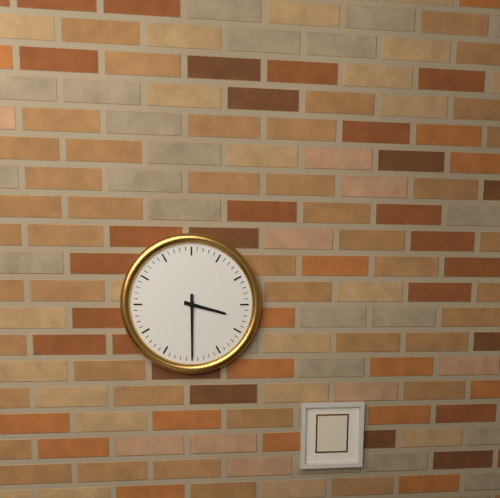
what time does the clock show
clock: 3:30
